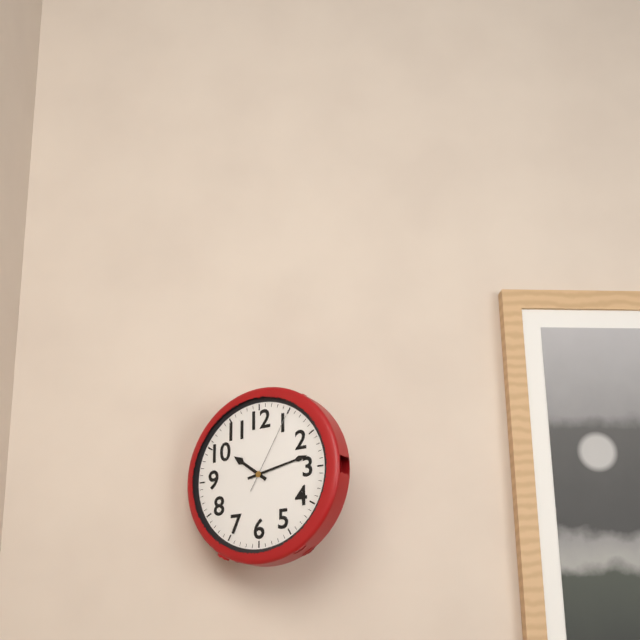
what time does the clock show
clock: 10:13:05
